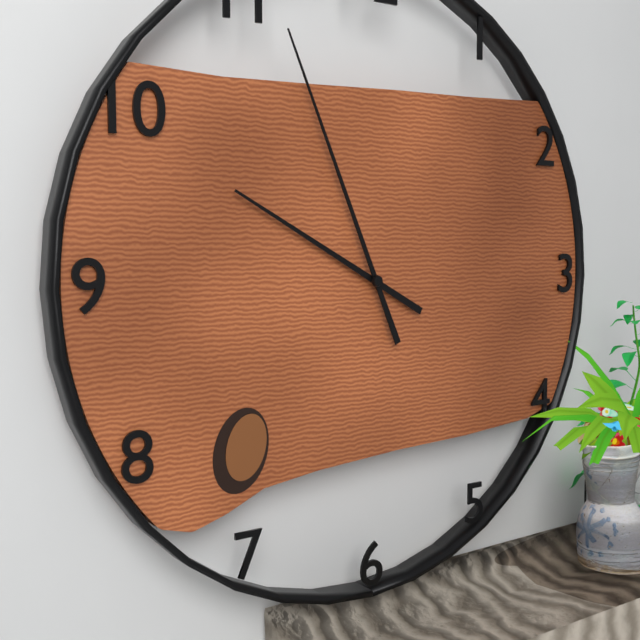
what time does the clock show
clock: 9:56
